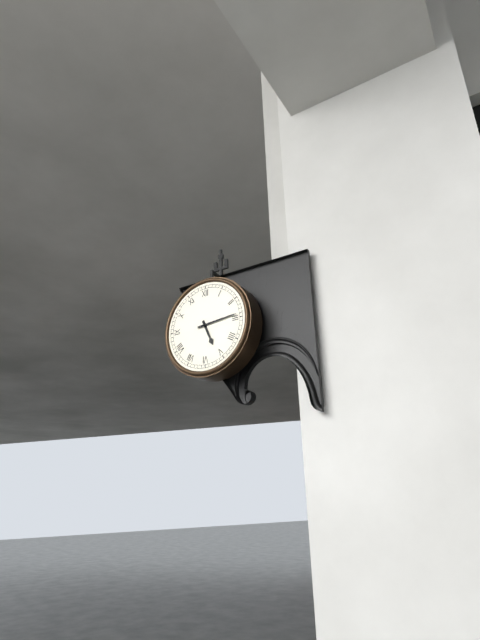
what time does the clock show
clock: 5:14
